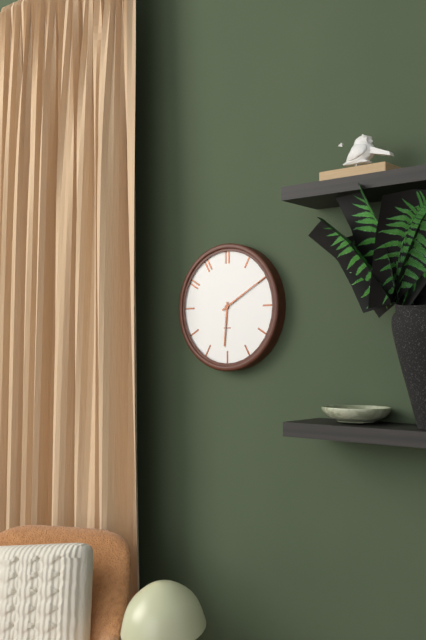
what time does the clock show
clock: 6:10
